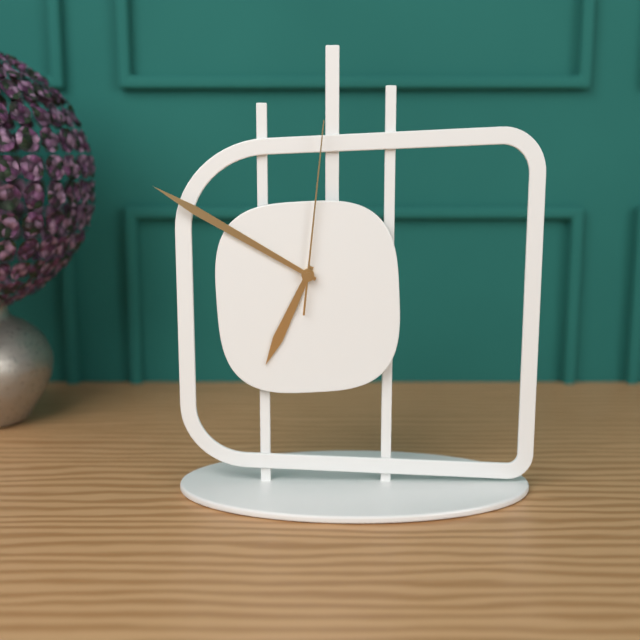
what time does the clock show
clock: 6:50:01
